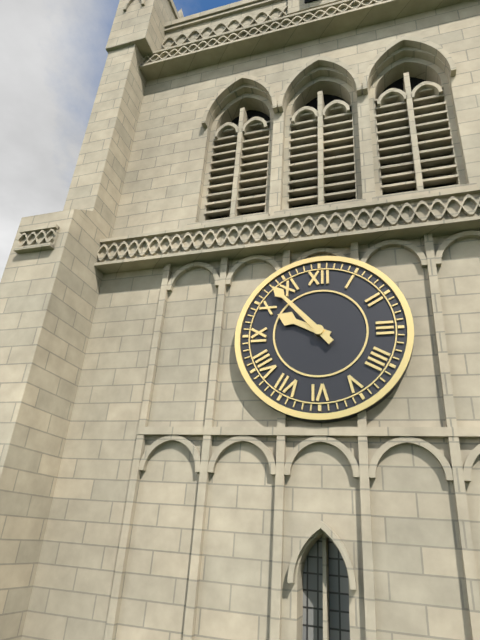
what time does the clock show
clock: 9:53
